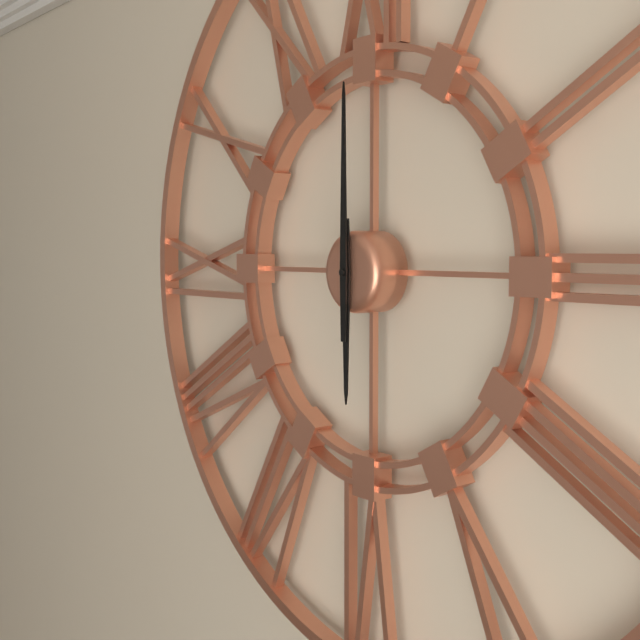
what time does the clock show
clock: 6:00
